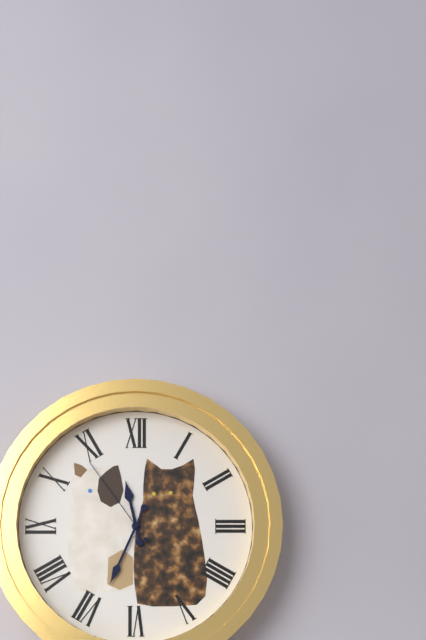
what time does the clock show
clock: 11:34:54
